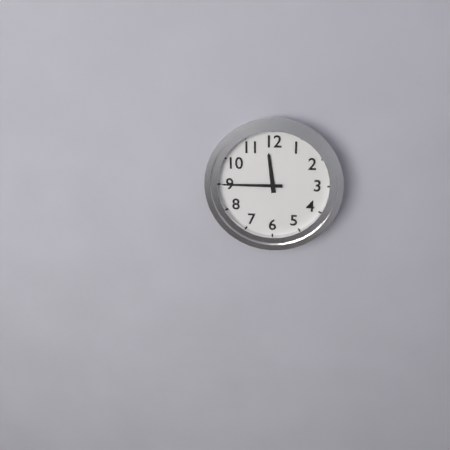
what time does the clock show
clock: 11:45
